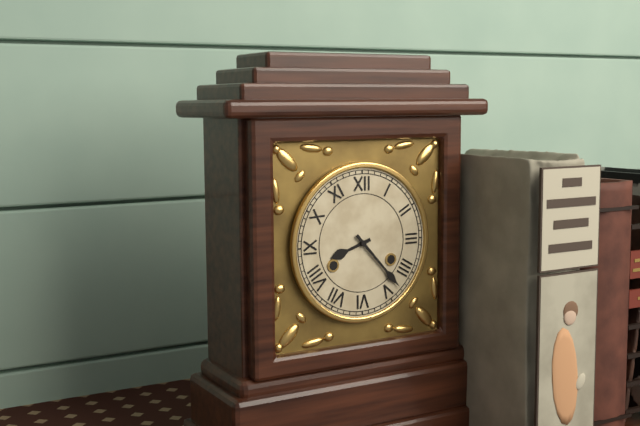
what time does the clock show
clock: 8:23
